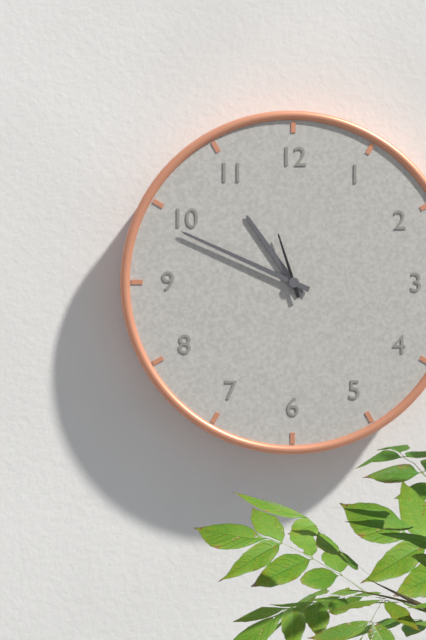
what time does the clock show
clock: 10:49:57
